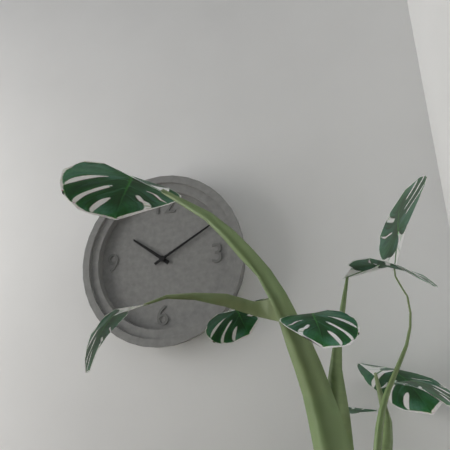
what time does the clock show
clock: 10:10
